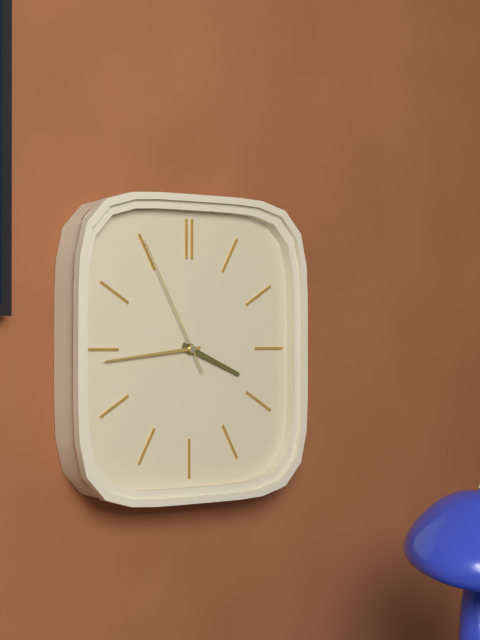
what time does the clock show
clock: 3:44:55
